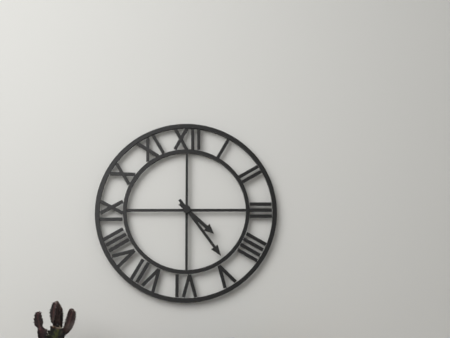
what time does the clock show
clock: 4:24
